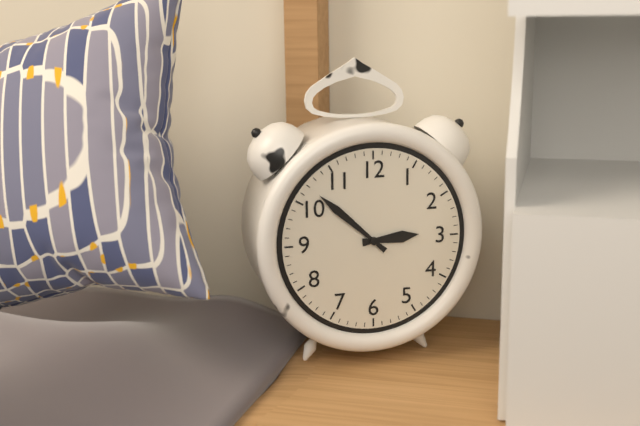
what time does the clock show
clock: 2:52
